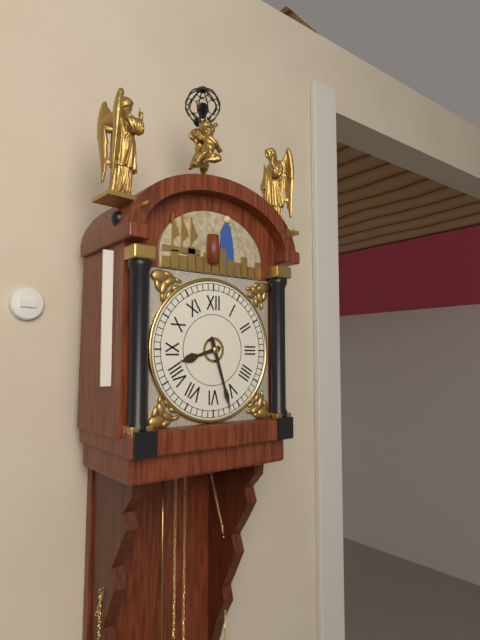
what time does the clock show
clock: 8:27
